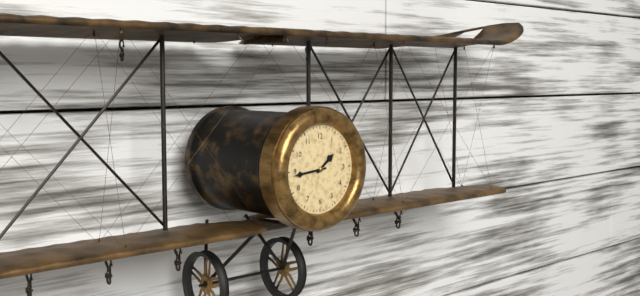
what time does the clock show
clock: 1:44
